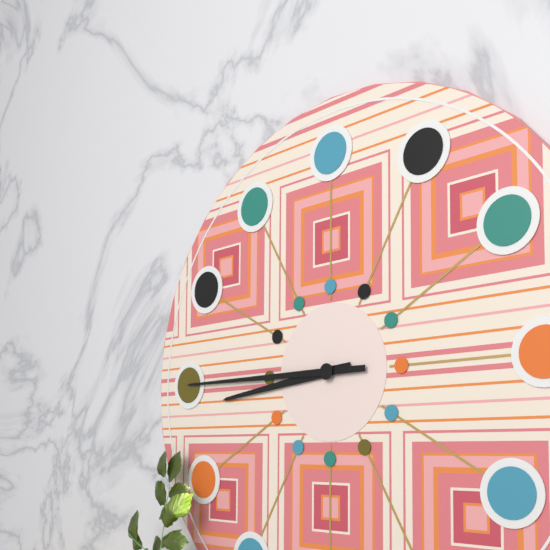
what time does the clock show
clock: 8:45
